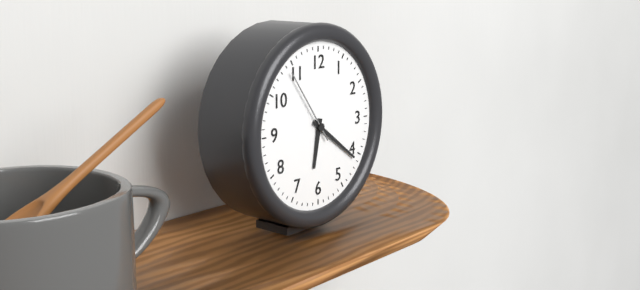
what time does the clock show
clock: 6:21:54
